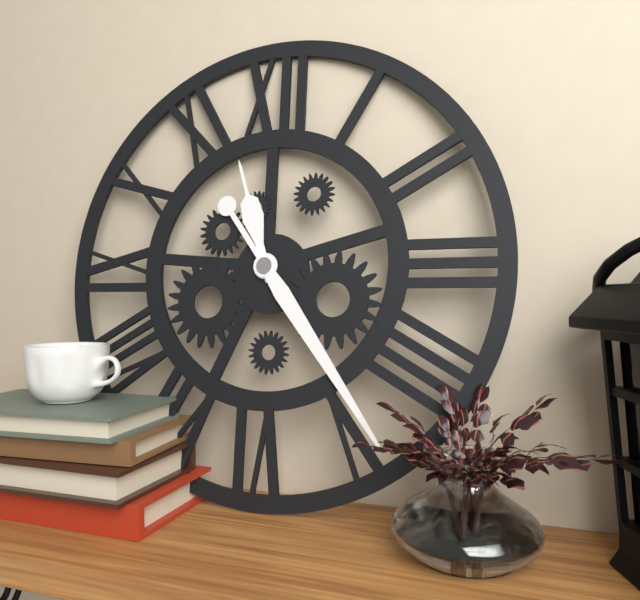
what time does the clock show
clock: 11:24
